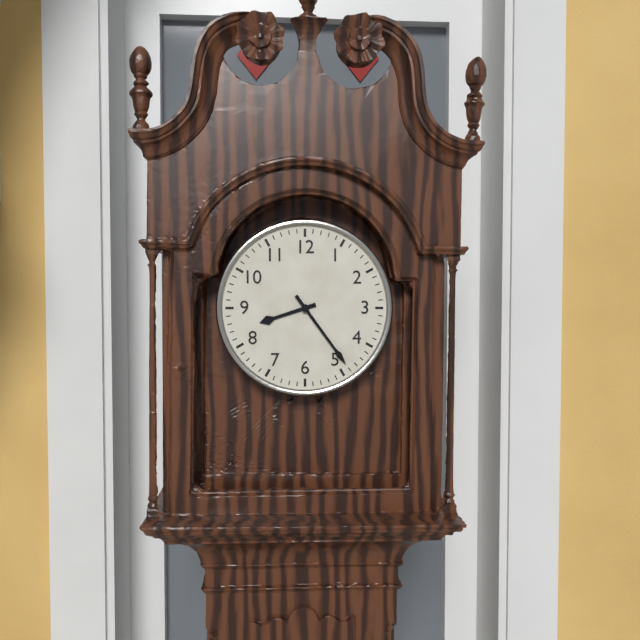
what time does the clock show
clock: 8:24
